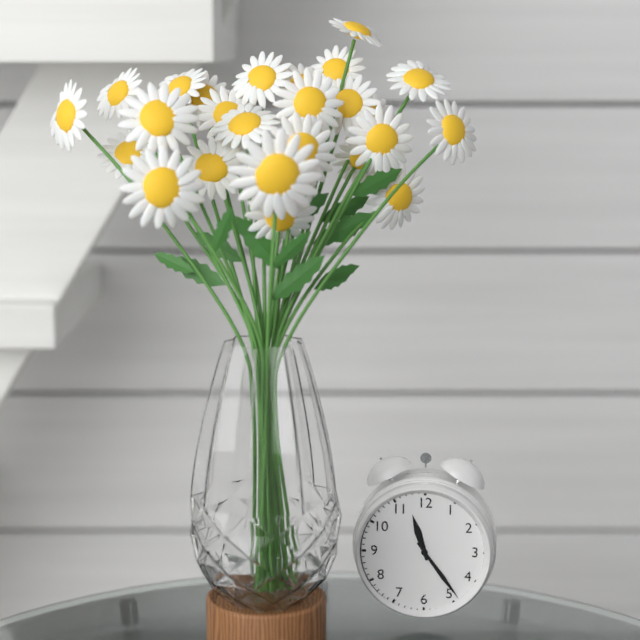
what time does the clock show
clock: 11:24
